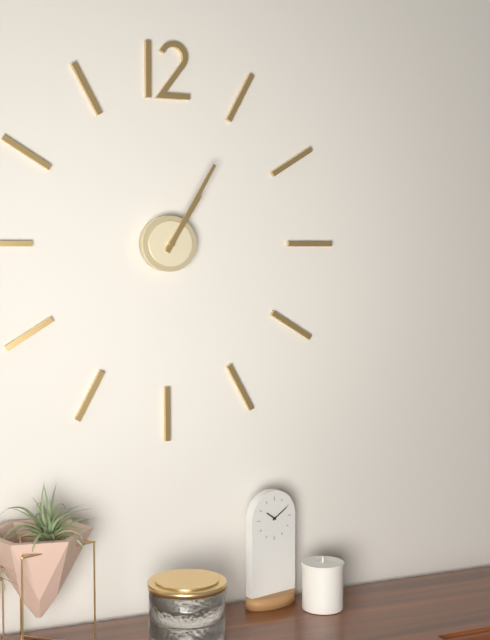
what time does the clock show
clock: 1:05
